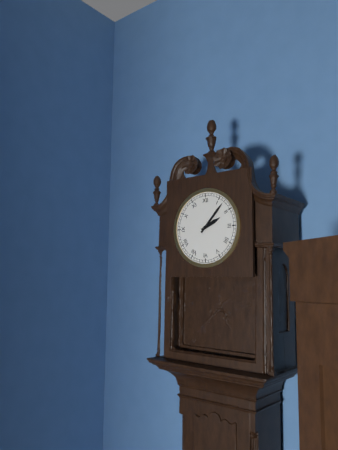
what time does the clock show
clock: 2:07
